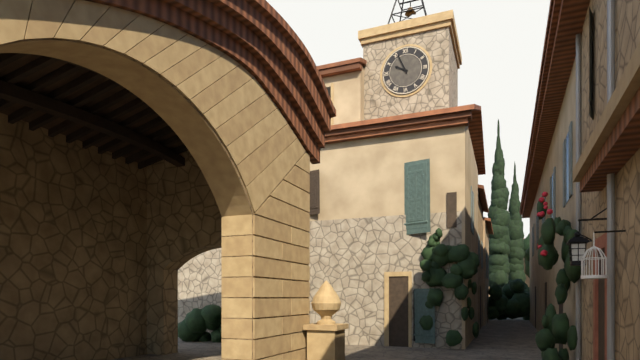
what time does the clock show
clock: 9:56
